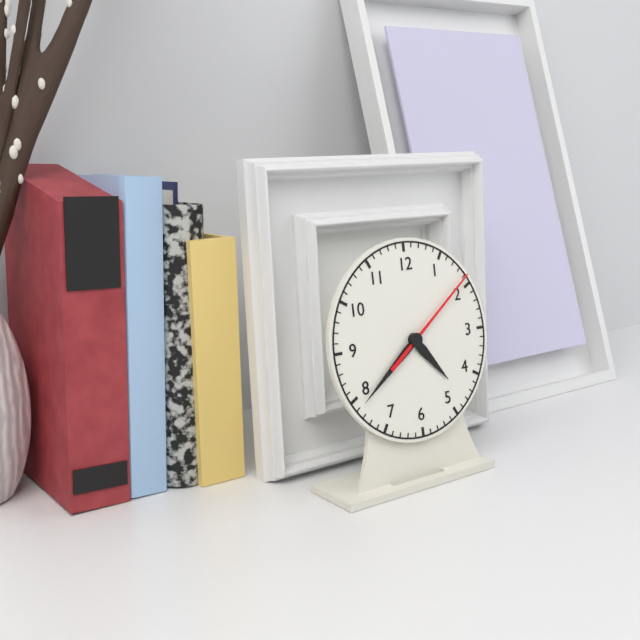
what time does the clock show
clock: 4:39:09
